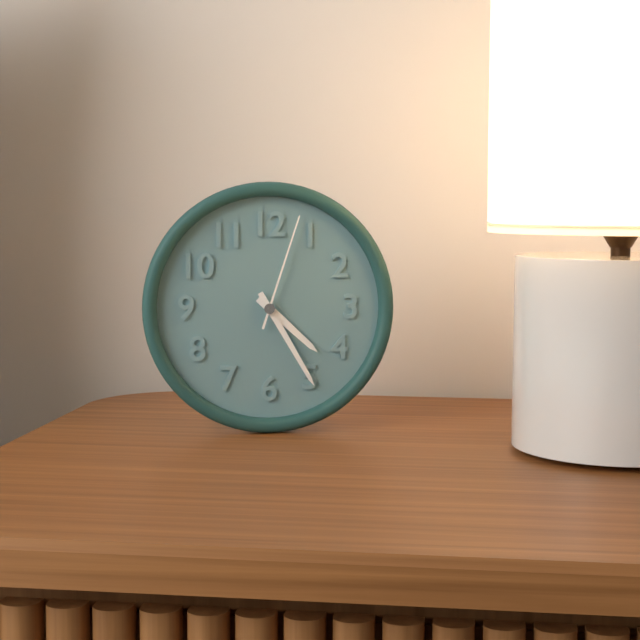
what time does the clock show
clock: 4:25:03
